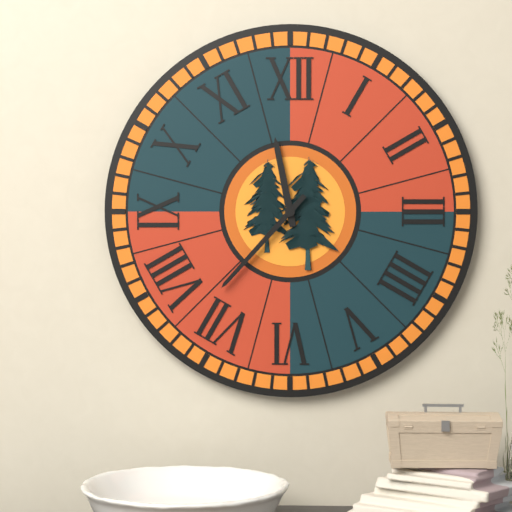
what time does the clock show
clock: 11:37
